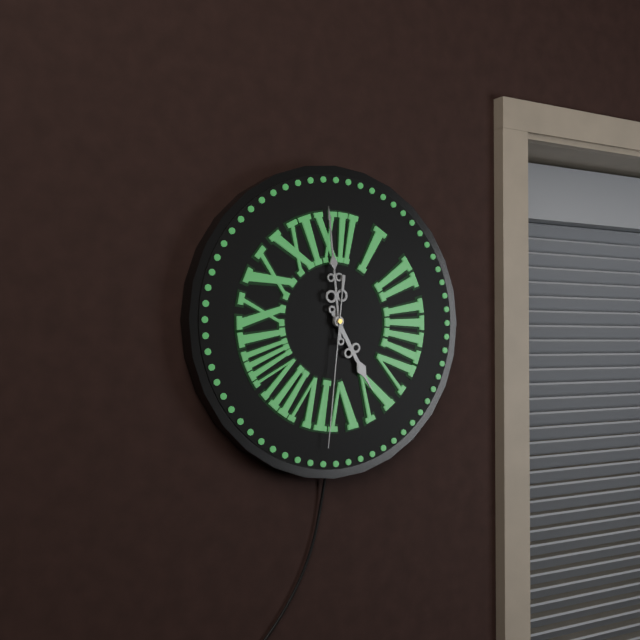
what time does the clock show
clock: 4:59:31
